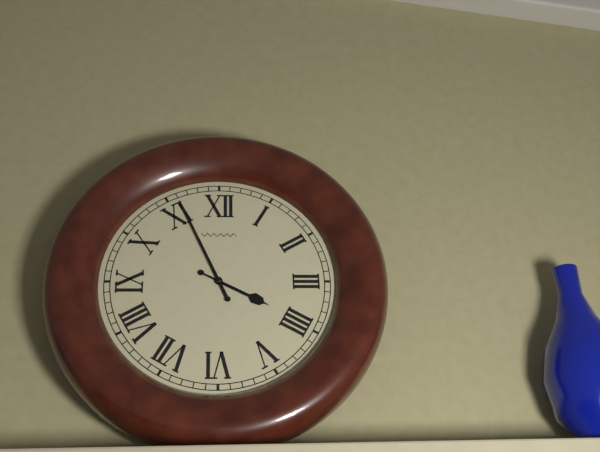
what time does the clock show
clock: 3:56
